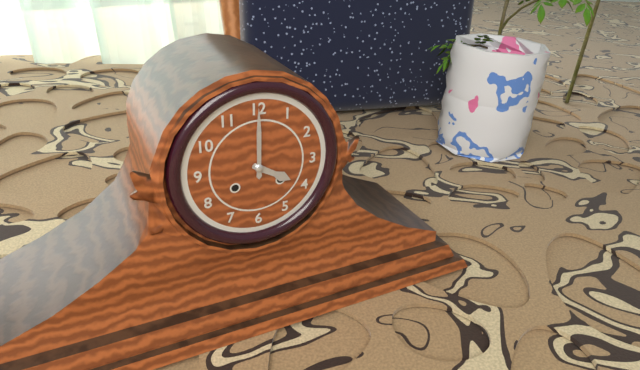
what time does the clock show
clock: 4:00
